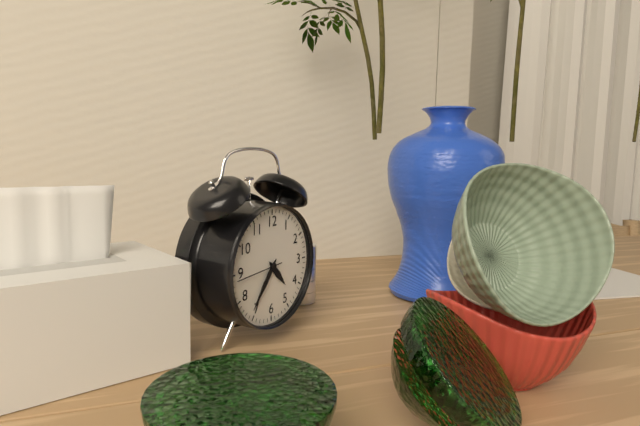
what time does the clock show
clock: 4:36
